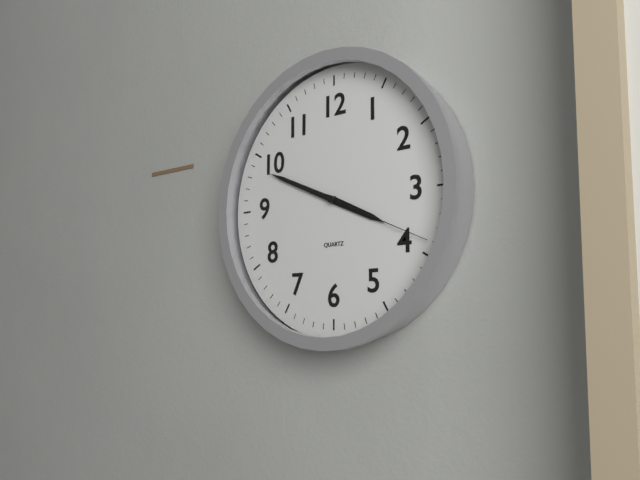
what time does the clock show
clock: 3:49:19
